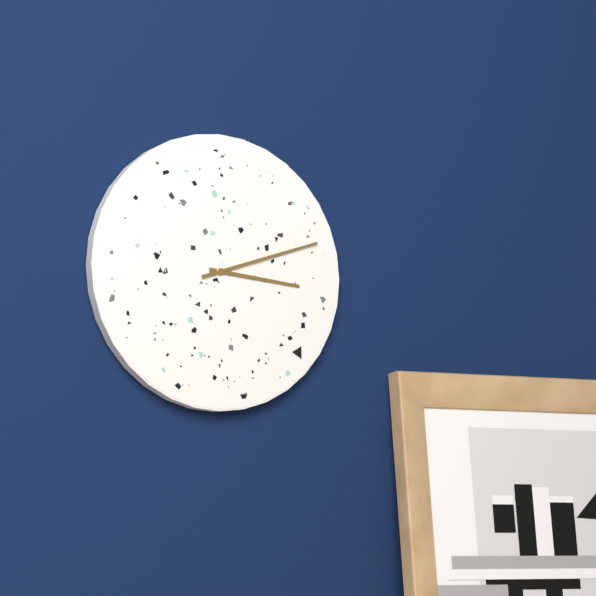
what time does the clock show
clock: 3:12
